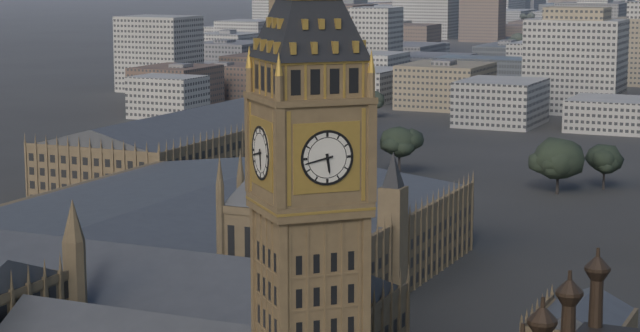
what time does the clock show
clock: 5:43
